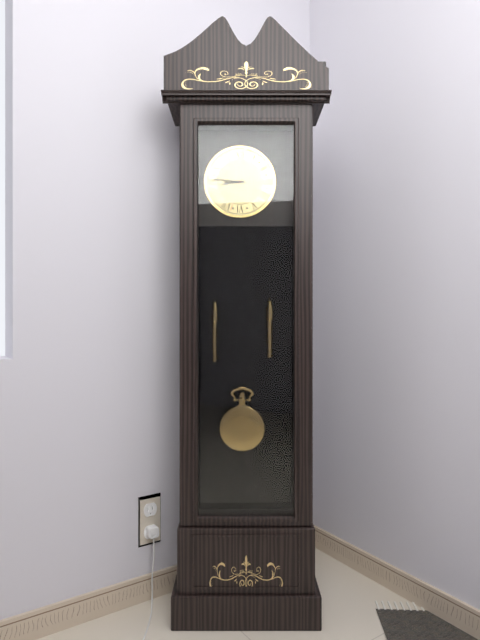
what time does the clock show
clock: 8:46
